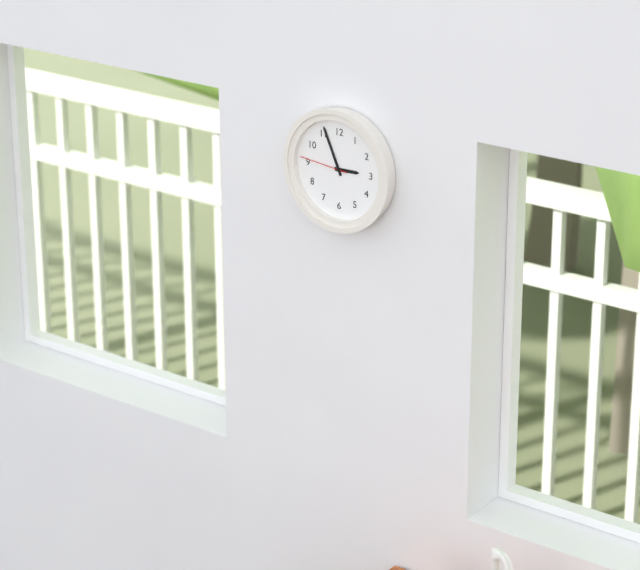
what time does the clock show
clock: 2:56:46
